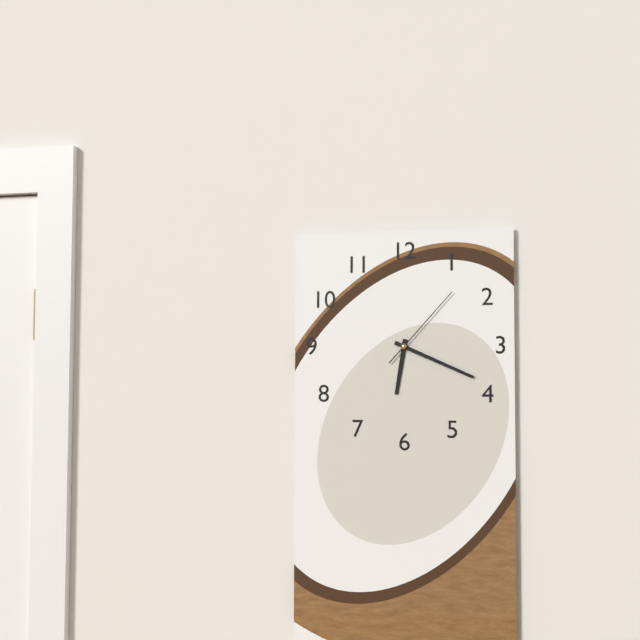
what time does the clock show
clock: 6:19:07
